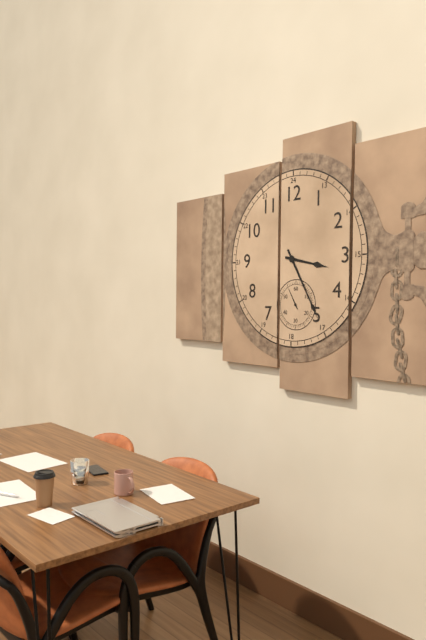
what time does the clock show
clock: 3:25
